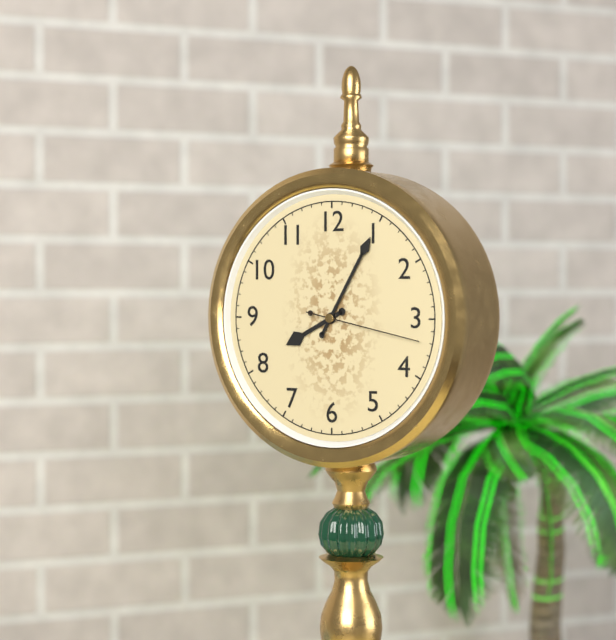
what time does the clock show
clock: 8:05:17
